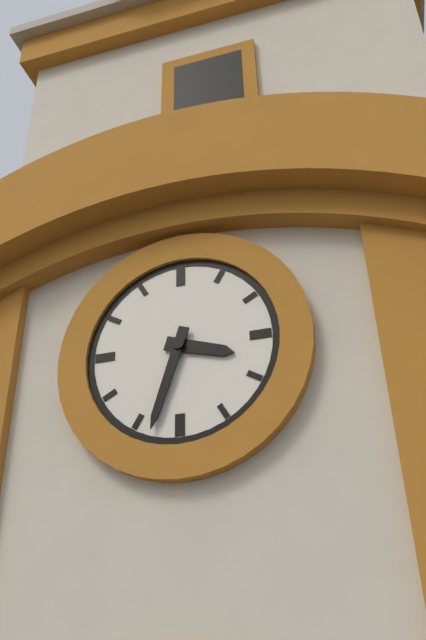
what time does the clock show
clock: 3:33
